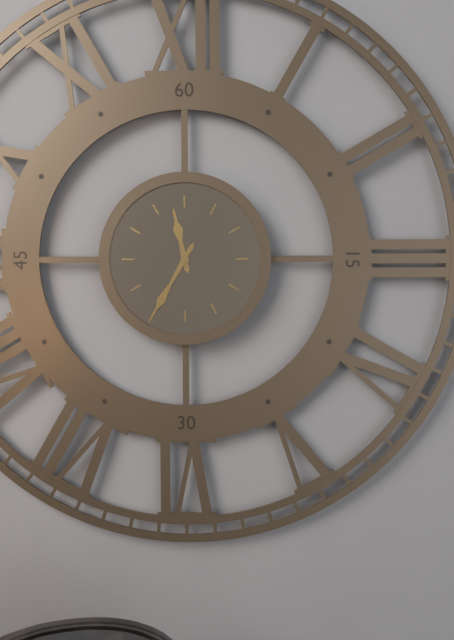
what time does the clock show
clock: 11:35
